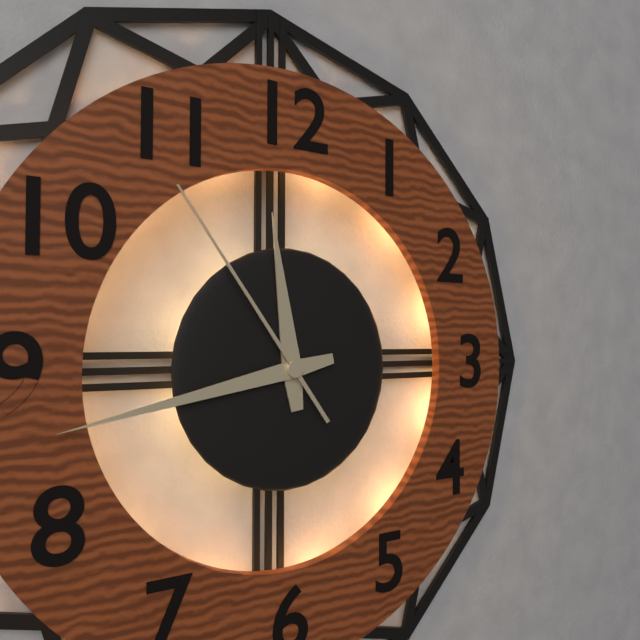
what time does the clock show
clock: 11:43:54
